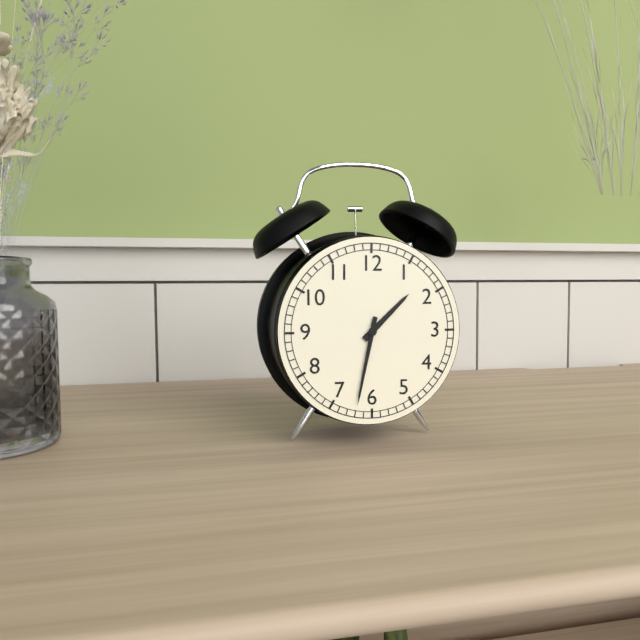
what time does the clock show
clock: 1:32
